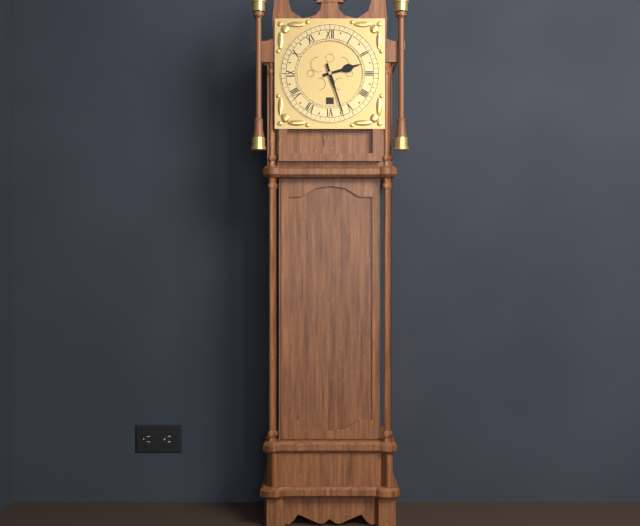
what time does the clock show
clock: 2:27
